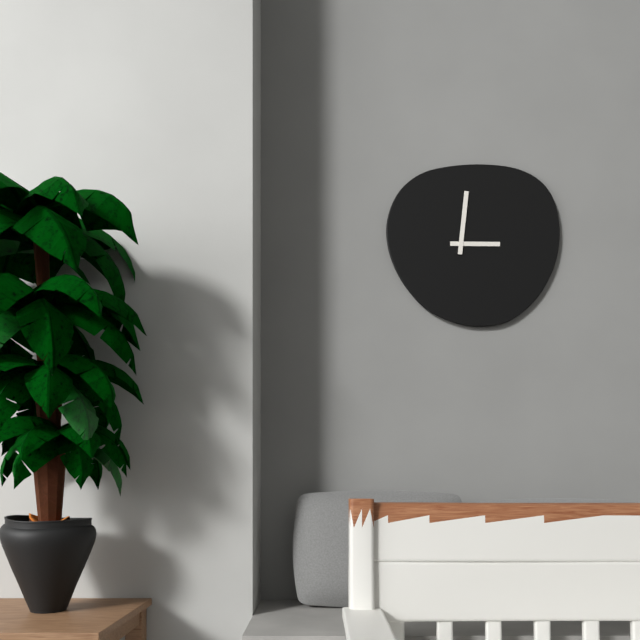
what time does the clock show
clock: 3:01
